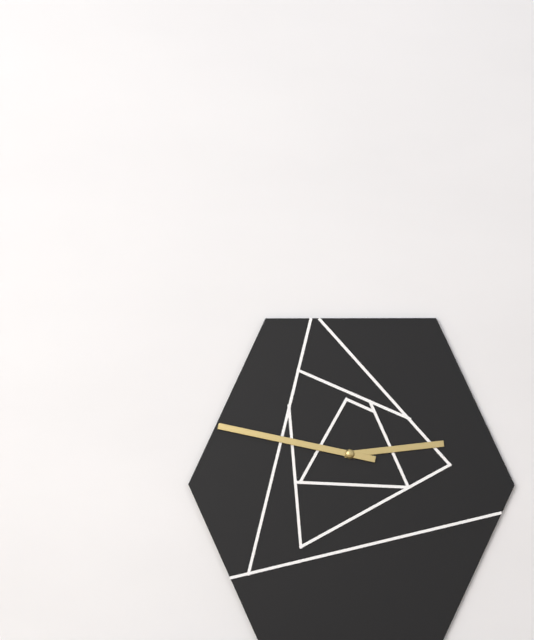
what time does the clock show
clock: 2:47
